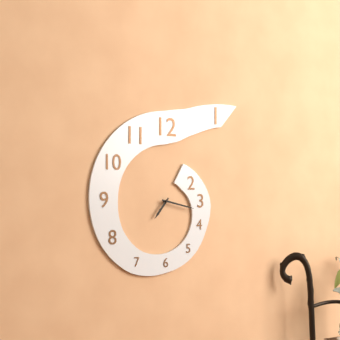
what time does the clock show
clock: 7:17
